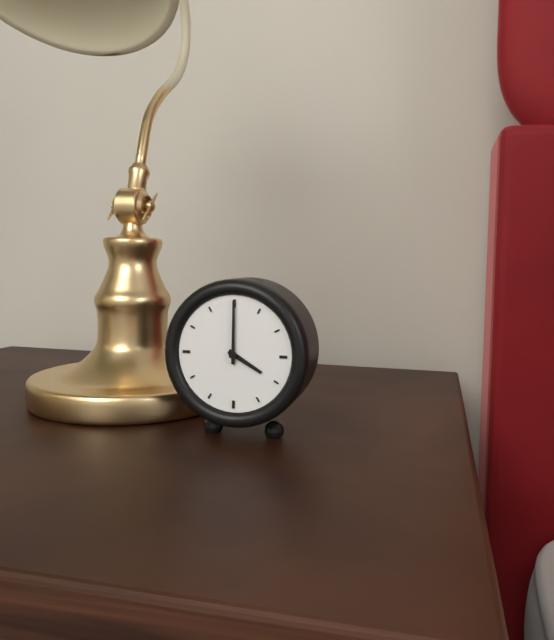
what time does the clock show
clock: 4:00
